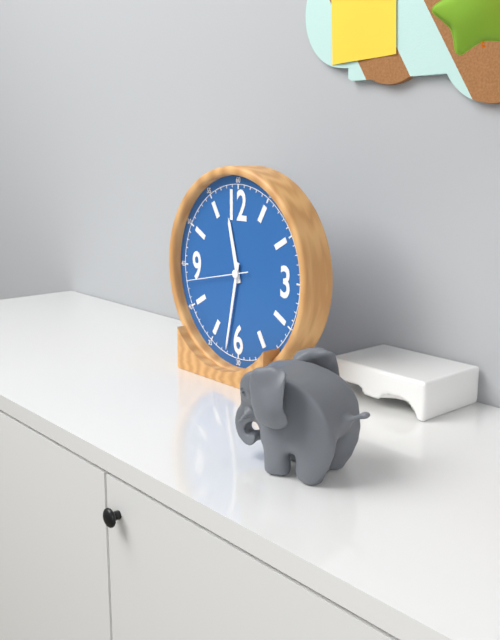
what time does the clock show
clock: 11:32:43
